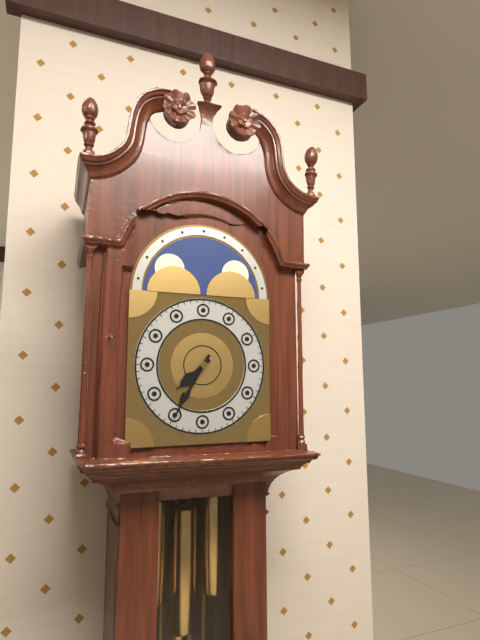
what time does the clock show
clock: 7:35
